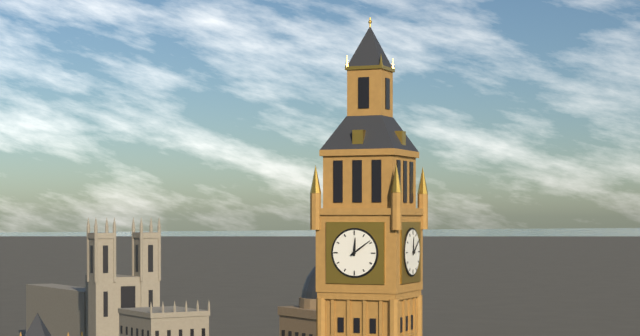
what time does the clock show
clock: 12:09
